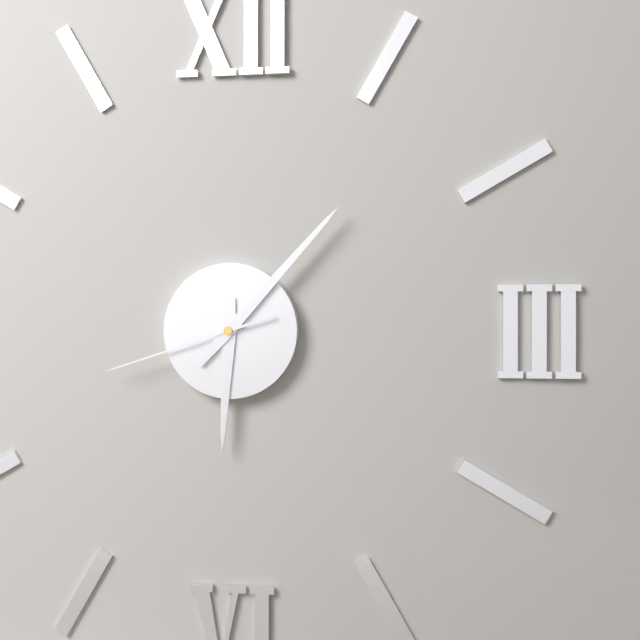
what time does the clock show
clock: 6:07:42
